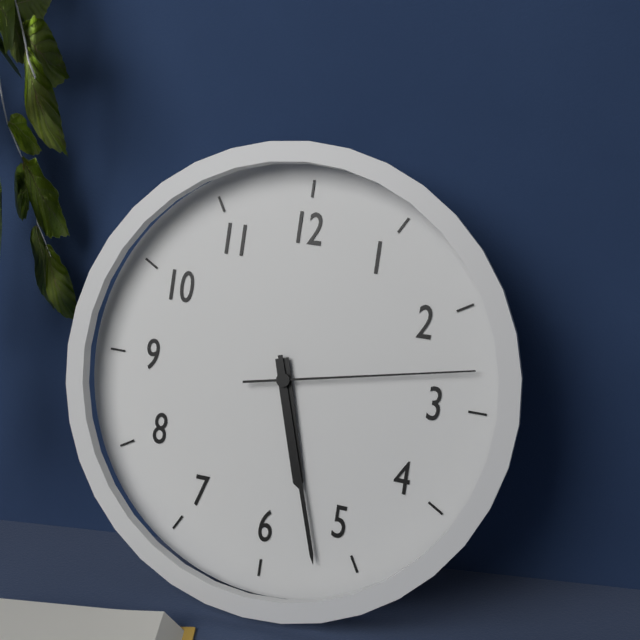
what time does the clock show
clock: 5:27:13
